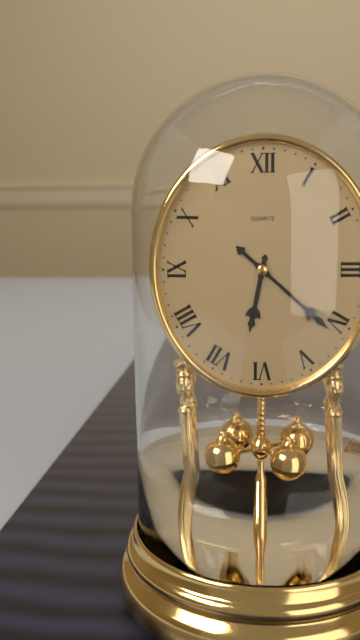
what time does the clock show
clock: 6:22
